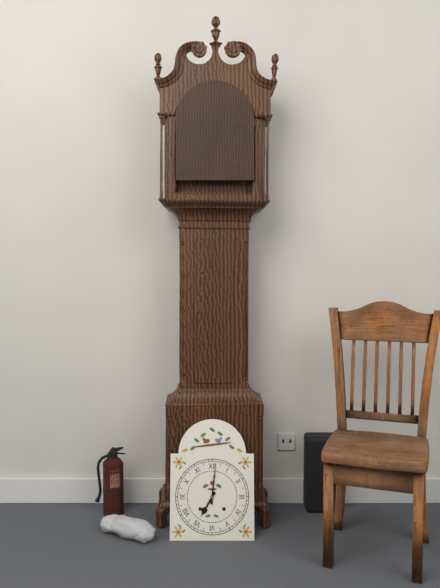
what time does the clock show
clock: 7:01
